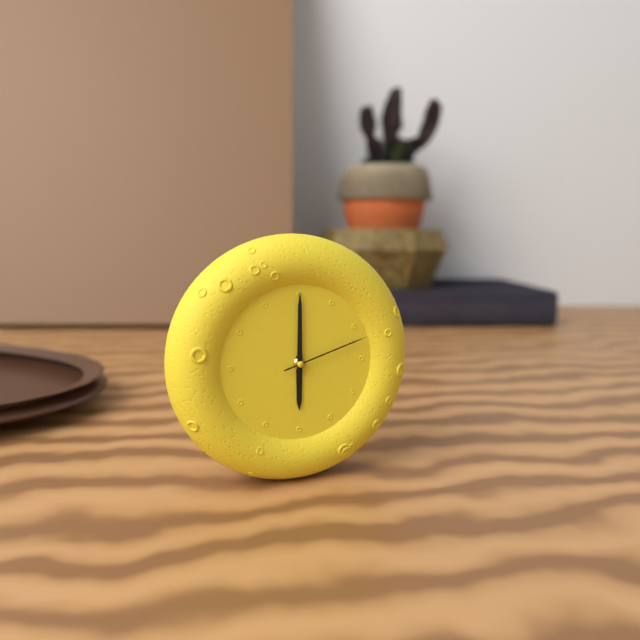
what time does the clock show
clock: 6:00:12
